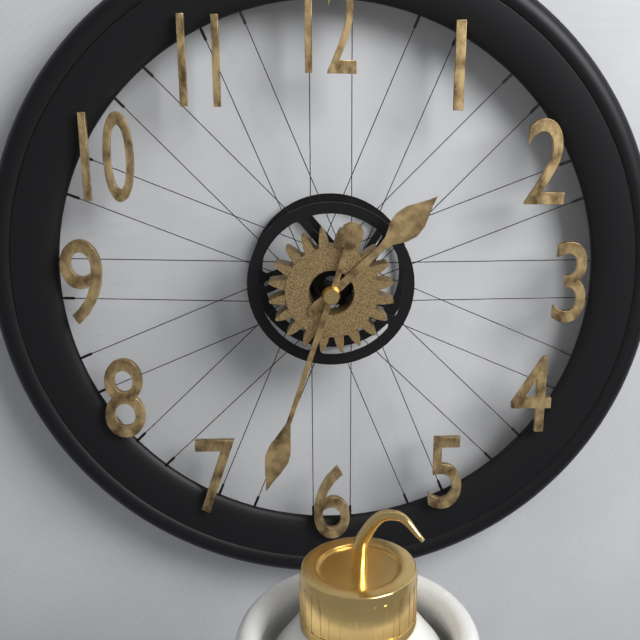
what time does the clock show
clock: 1:33
